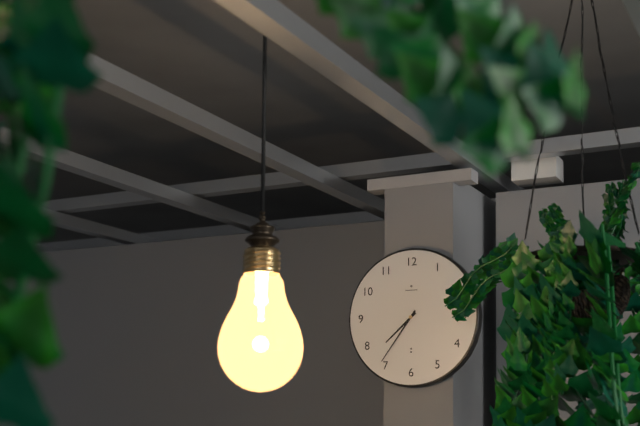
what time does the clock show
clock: 7:36
